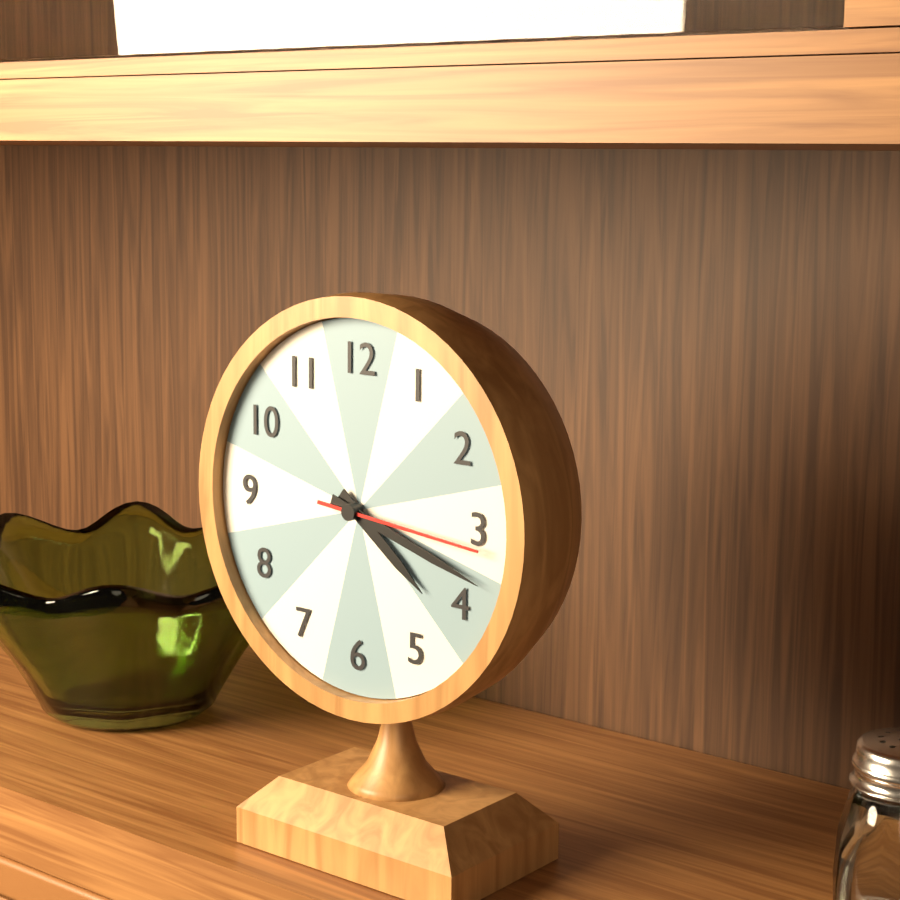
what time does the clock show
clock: 4:18:16
